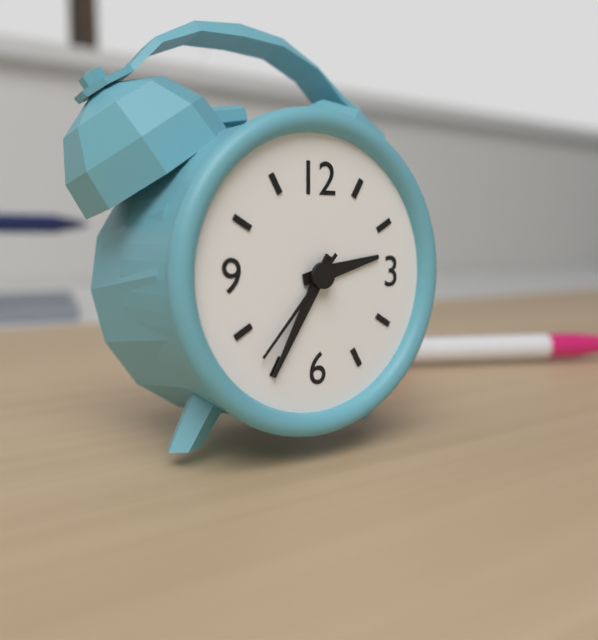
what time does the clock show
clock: 2:35:37
